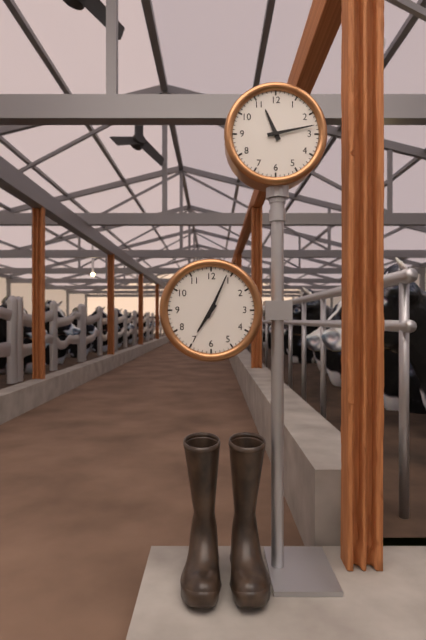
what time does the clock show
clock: 11:13
